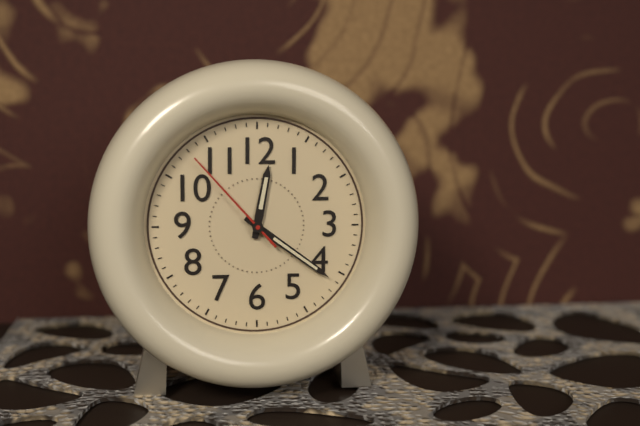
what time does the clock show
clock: 12:21:53
